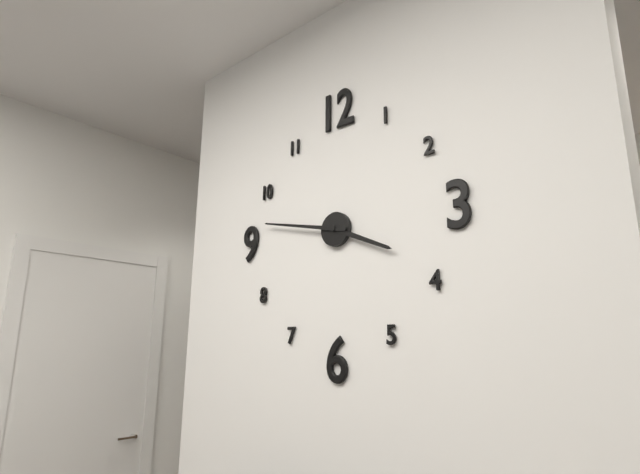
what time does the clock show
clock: 3:47
